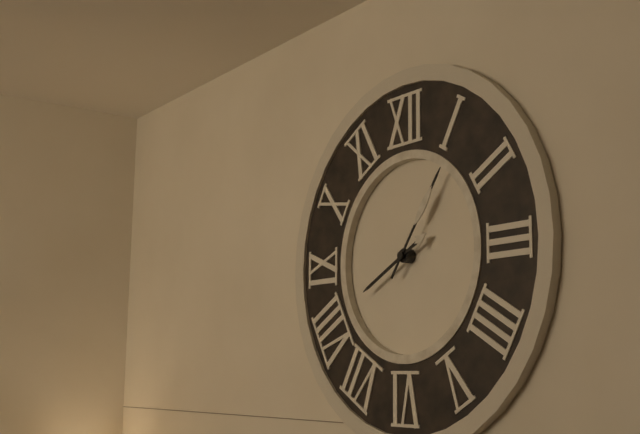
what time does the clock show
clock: 8:06
